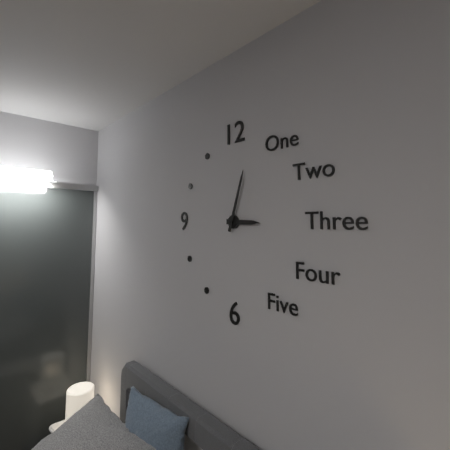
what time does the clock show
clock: 3:03
